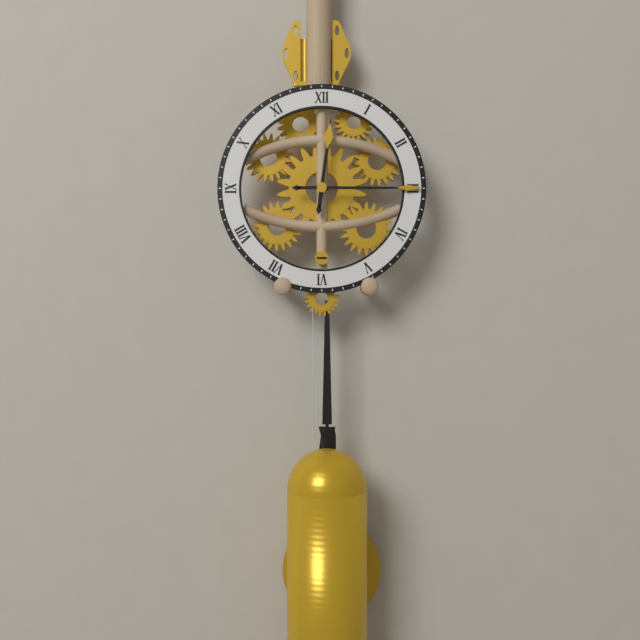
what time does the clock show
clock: 12:15
